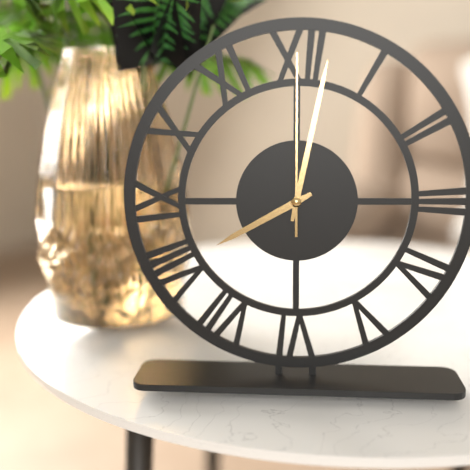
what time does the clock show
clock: 8:02:00
